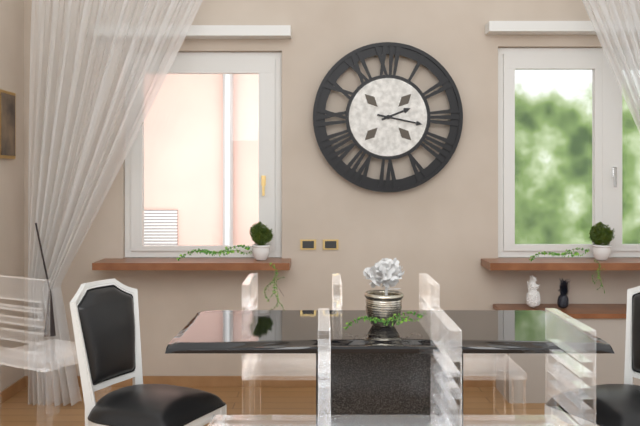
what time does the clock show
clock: 2:17
